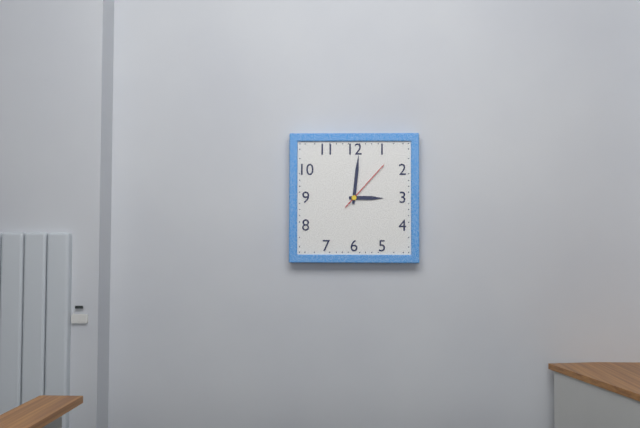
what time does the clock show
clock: 3:01:07
